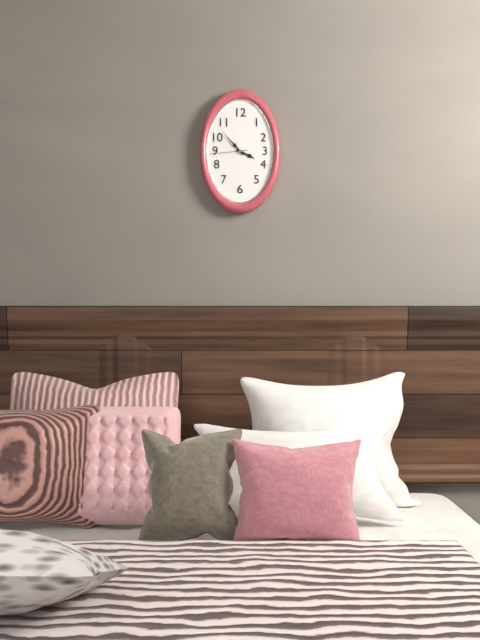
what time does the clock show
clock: 3:53
